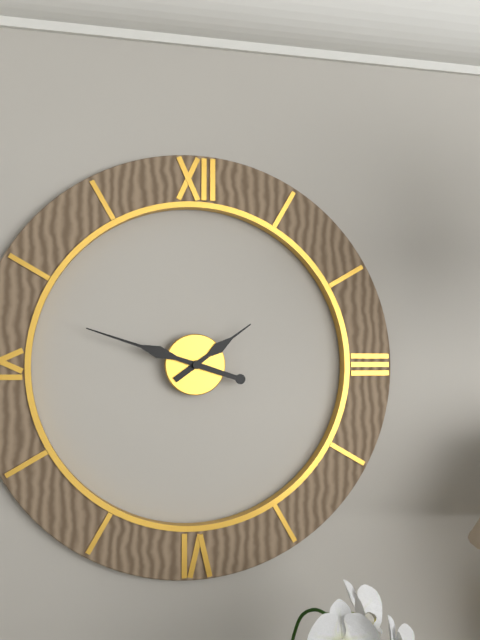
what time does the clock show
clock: 1:48
